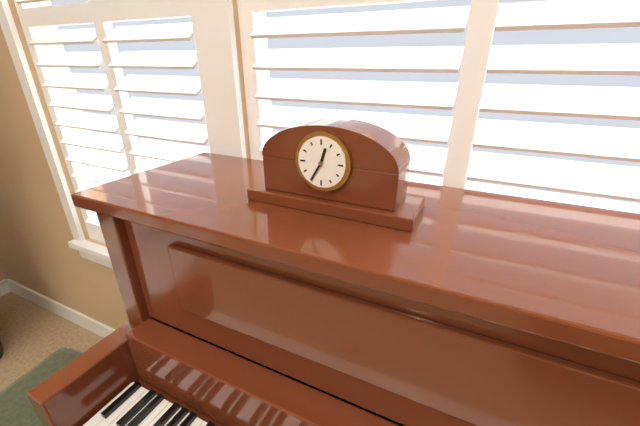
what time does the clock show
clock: 12:35
